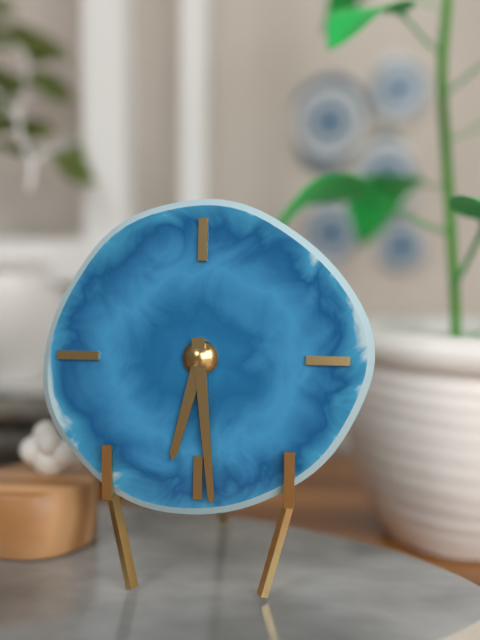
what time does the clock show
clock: 6:29
